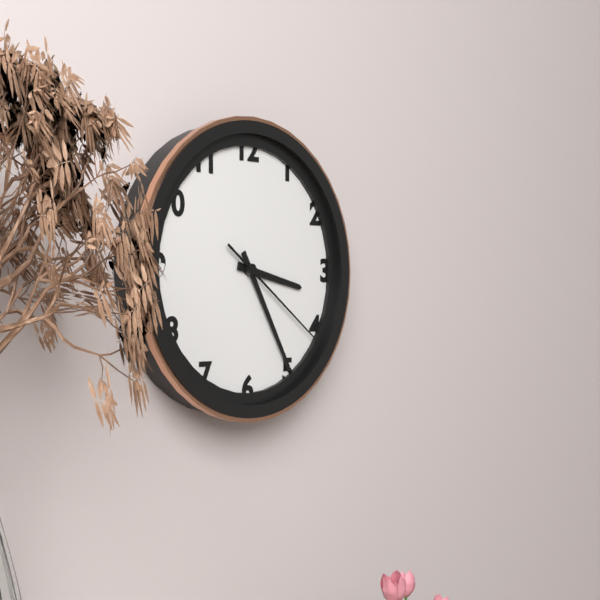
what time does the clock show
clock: 3:25:21
